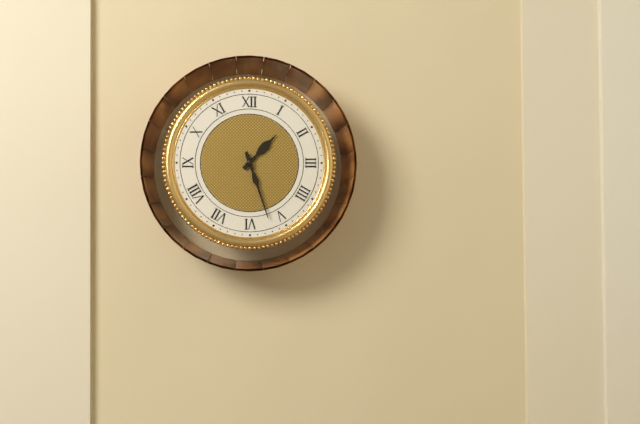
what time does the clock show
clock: 1:27
